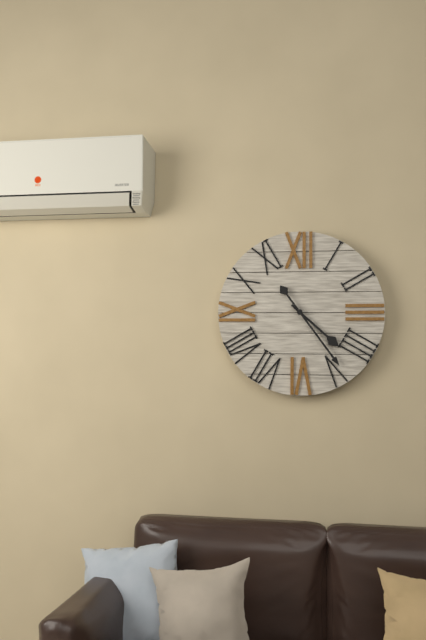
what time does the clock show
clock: 4:24
